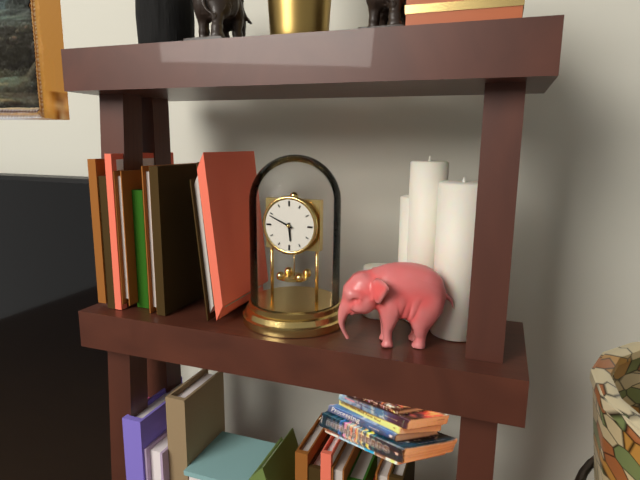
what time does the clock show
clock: 5:49
